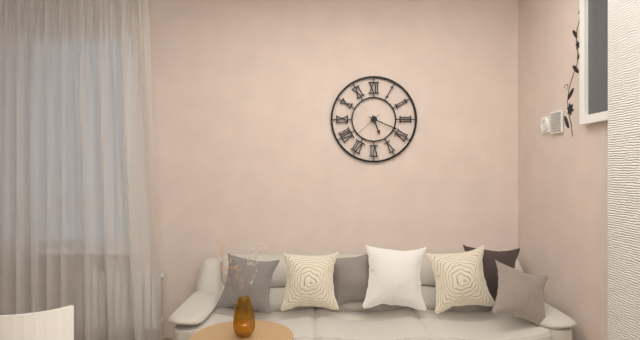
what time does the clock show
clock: 5:19
